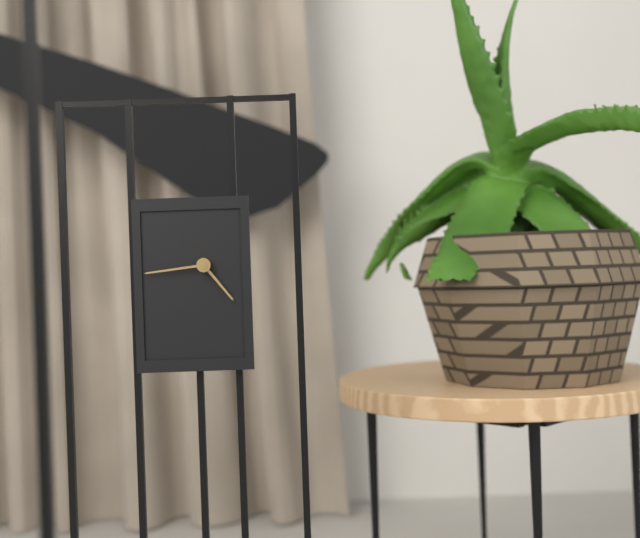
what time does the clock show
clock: 4:44
